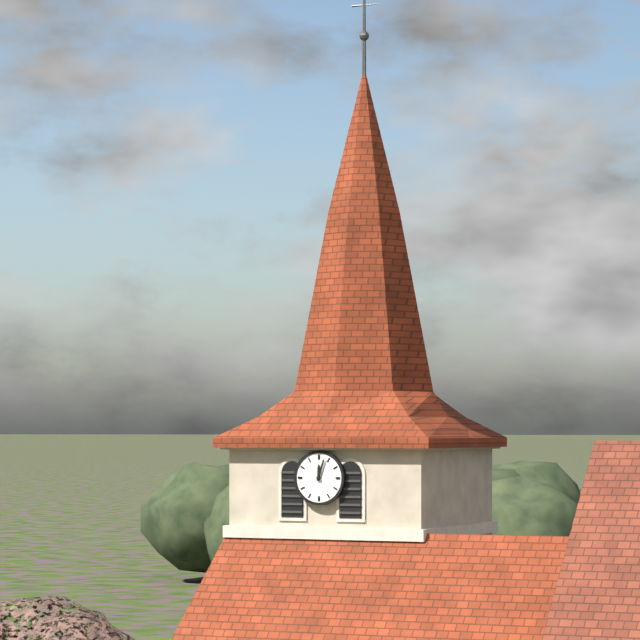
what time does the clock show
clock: 12:03
